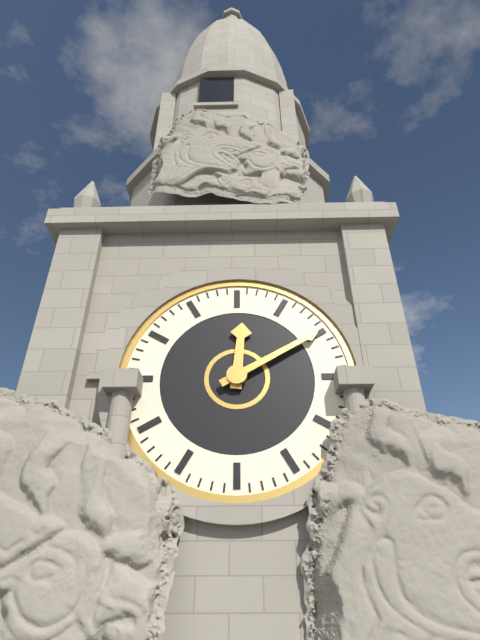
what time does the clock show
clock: 12:10
